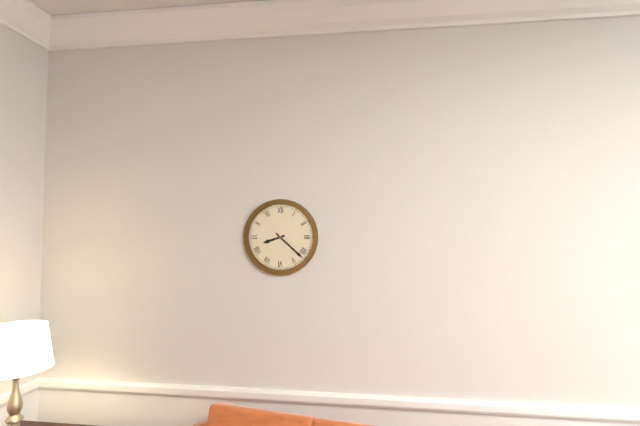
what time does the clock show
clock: 8:22
